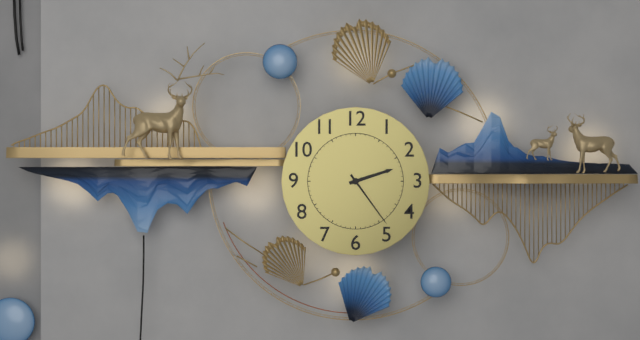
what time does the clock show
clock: 2:24
